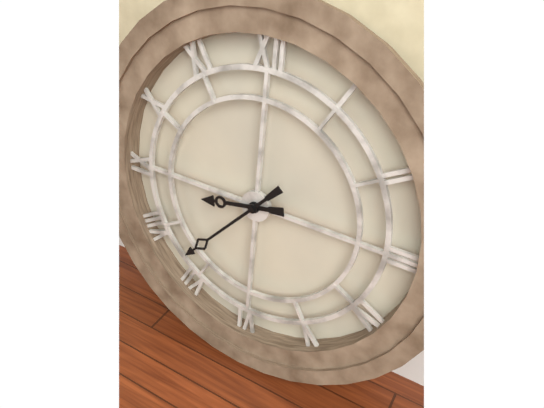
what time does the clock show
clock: 8:37
